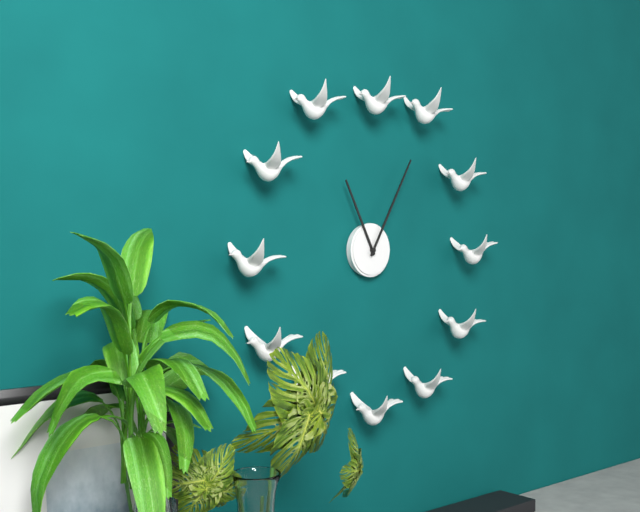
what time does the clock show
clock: 11:05
